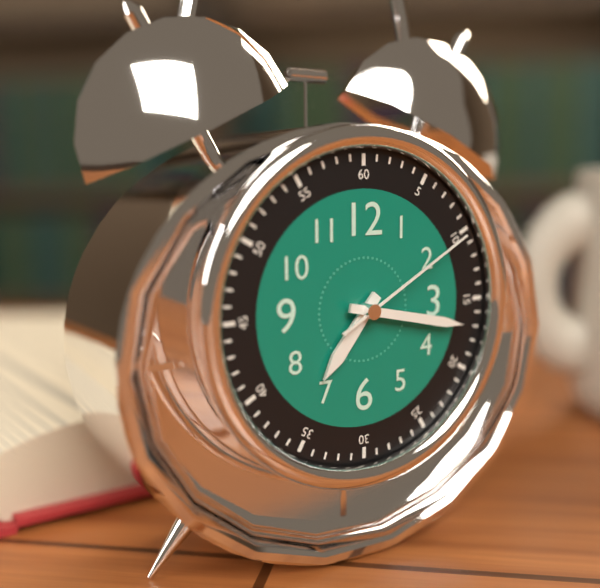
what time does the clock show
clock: 7:17:10
